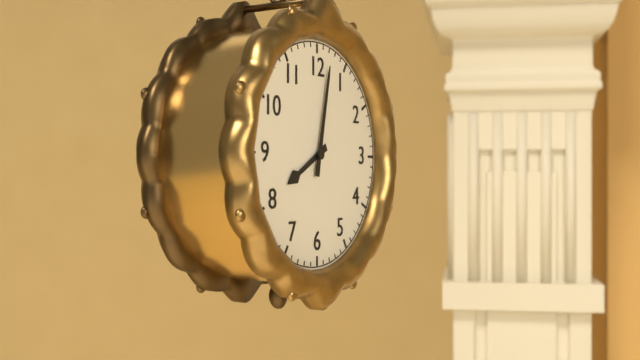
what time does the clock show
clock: 8:02
